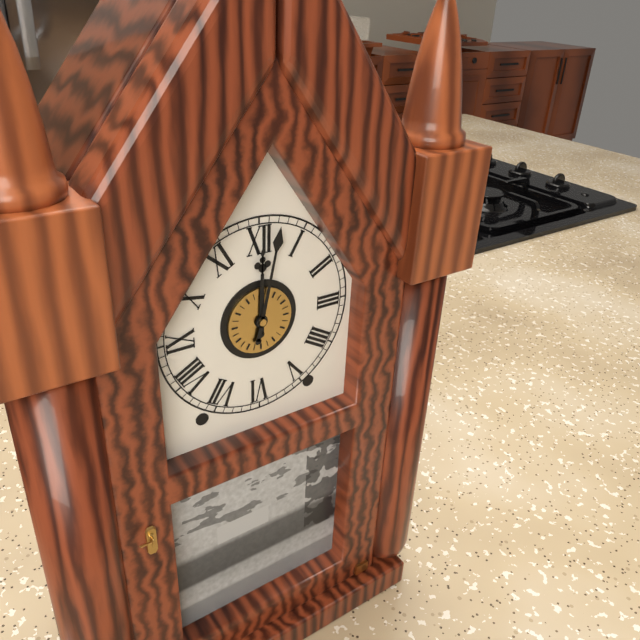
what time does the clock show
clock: 12:02
